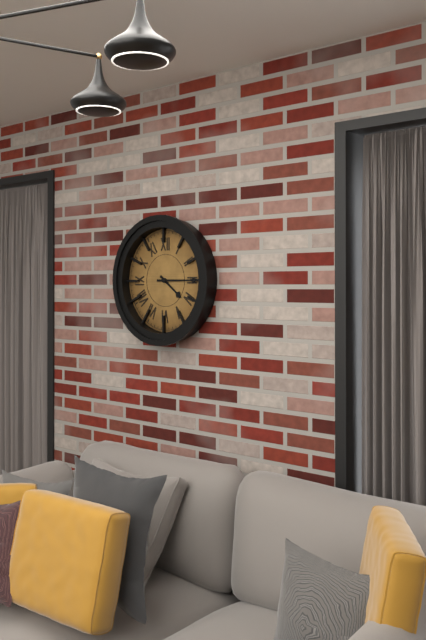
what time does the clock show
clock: 4:15
